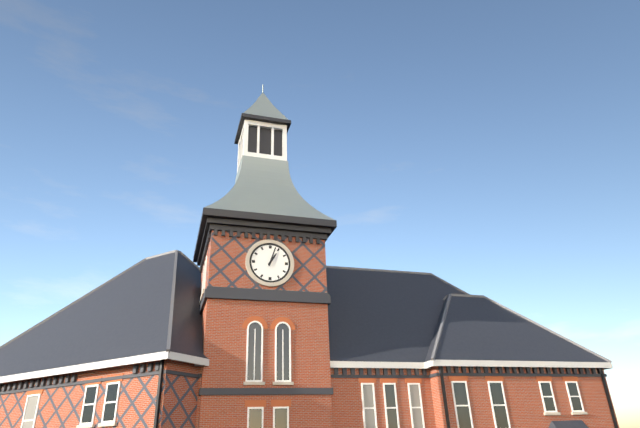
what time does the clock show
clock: 1:03
